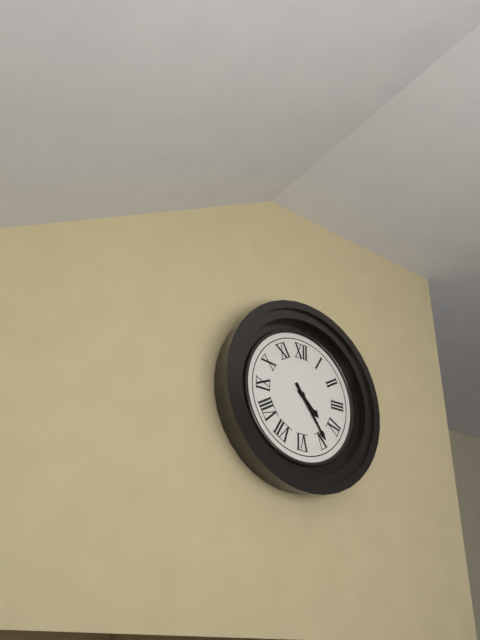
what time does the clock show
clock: 4:24
